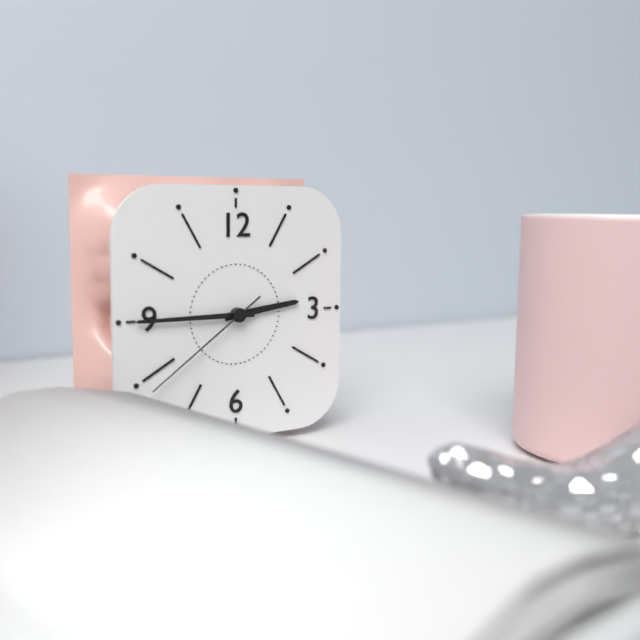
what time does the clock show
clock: 2:45:39
